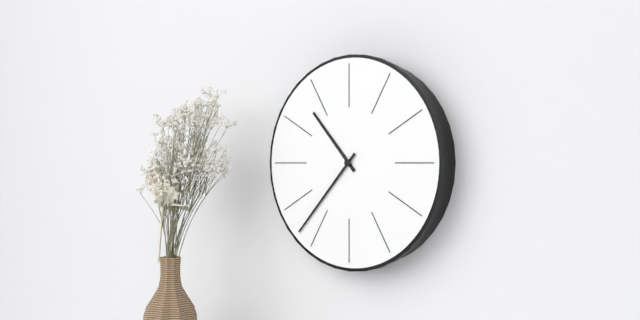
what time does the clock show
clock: 10:37
